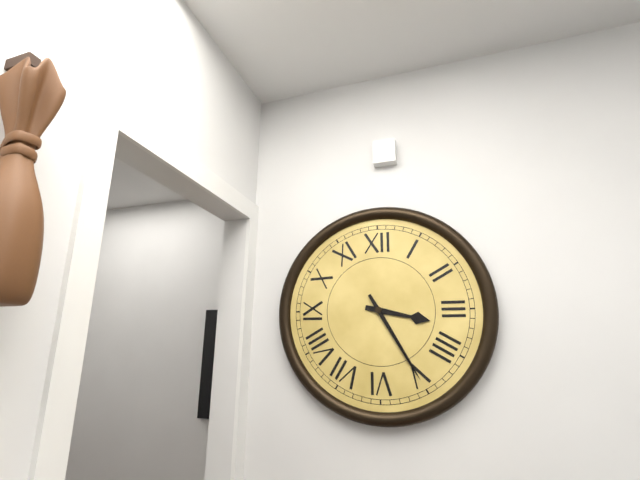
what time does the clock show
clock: 3:25
